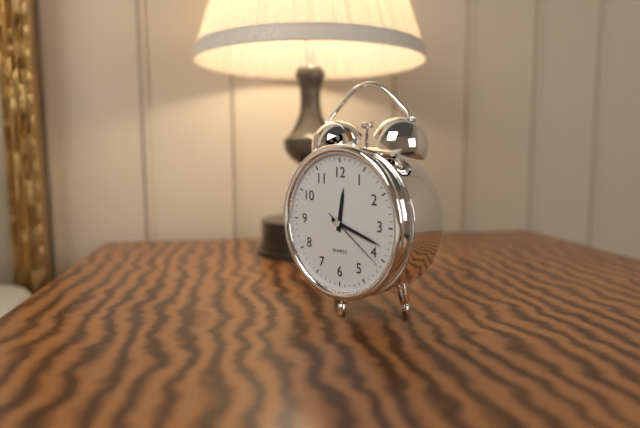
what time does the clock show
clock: 12:18:21
